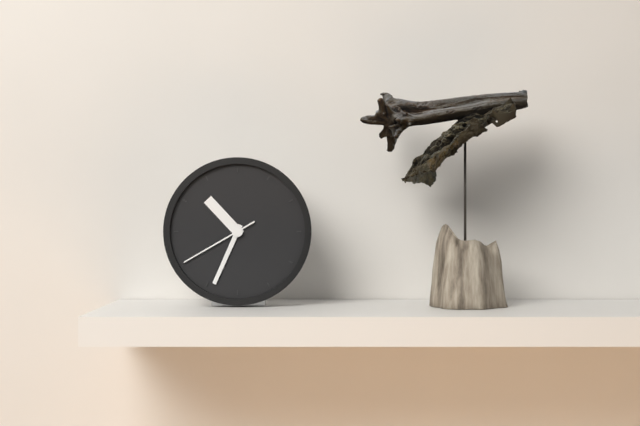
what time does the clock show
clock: 10:34:40
